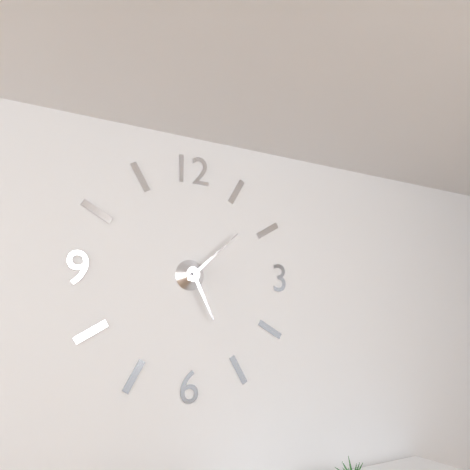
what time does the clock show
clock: 5:08
